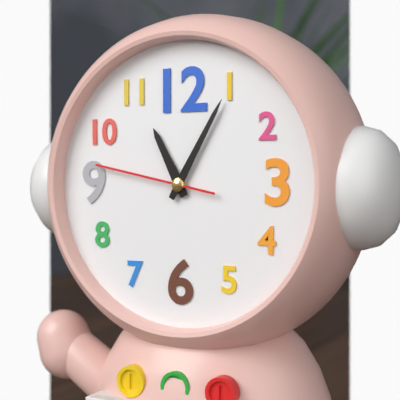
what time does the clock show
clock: 11:05:47
